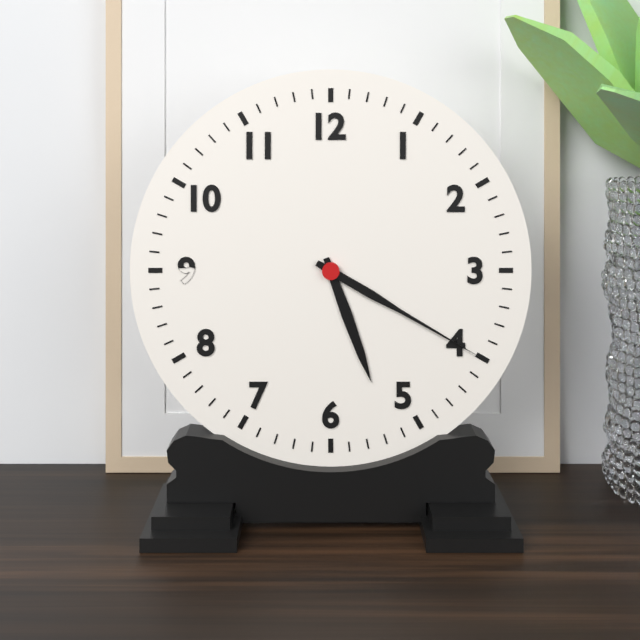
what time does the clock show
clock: 5:20
